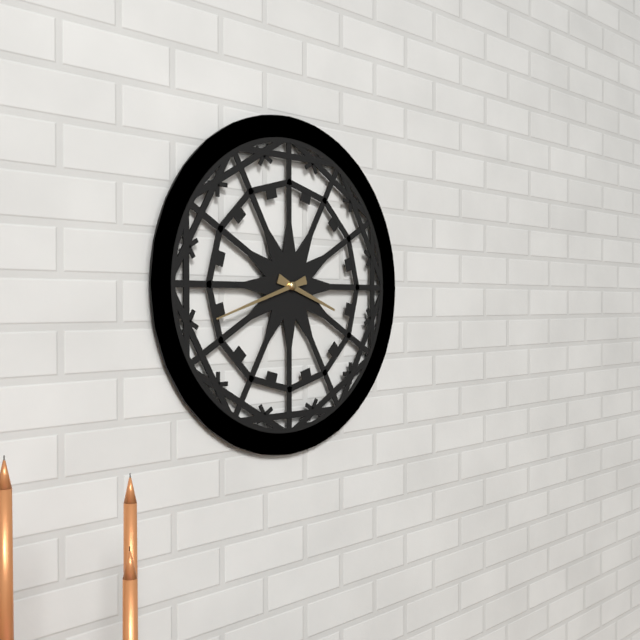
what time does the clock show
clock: 3:42
